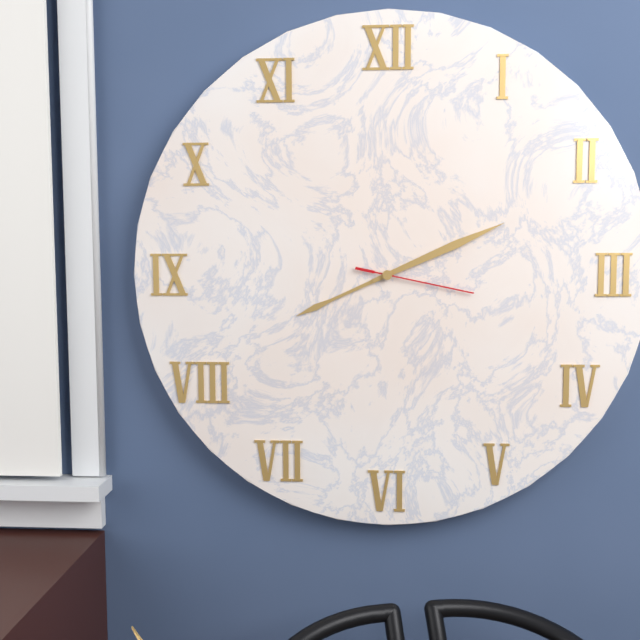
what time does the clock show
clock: 8:11:17
